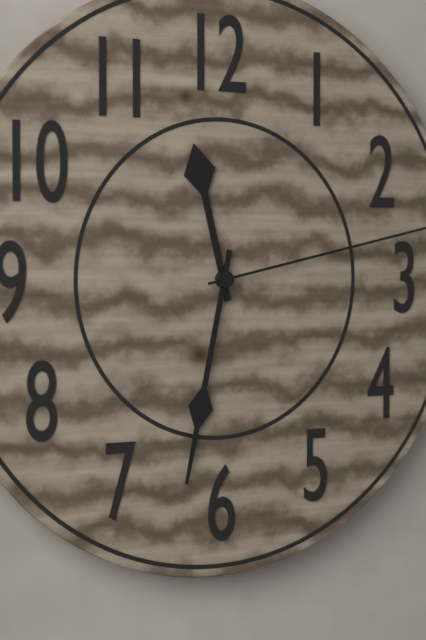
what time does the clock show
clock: 11:32
